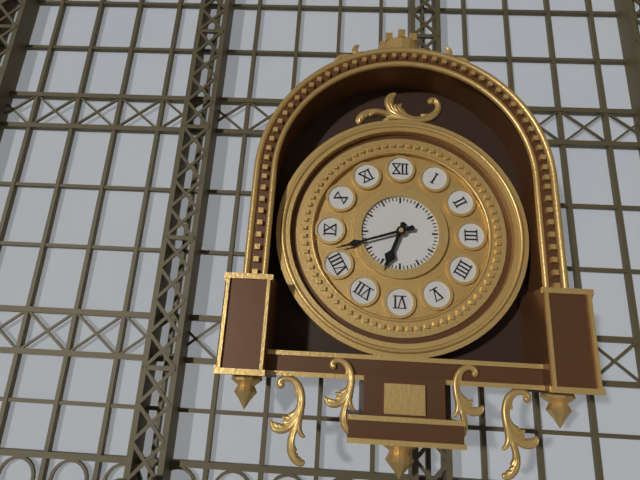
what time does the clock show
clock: 6:42
